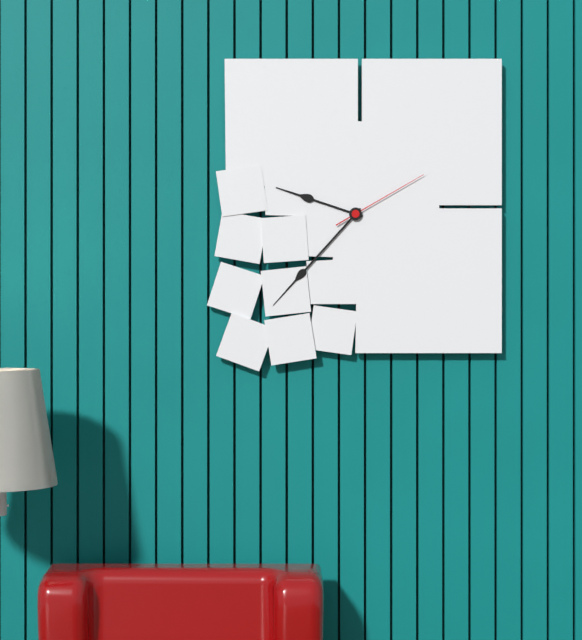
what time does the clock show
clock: 9:37:10
